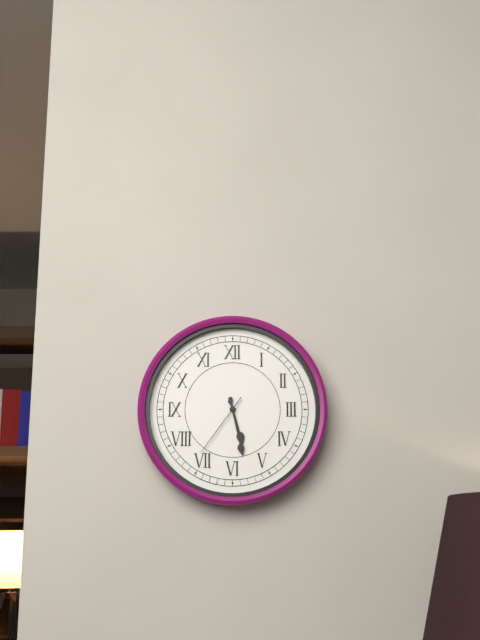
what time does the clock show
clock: 5:28:36
